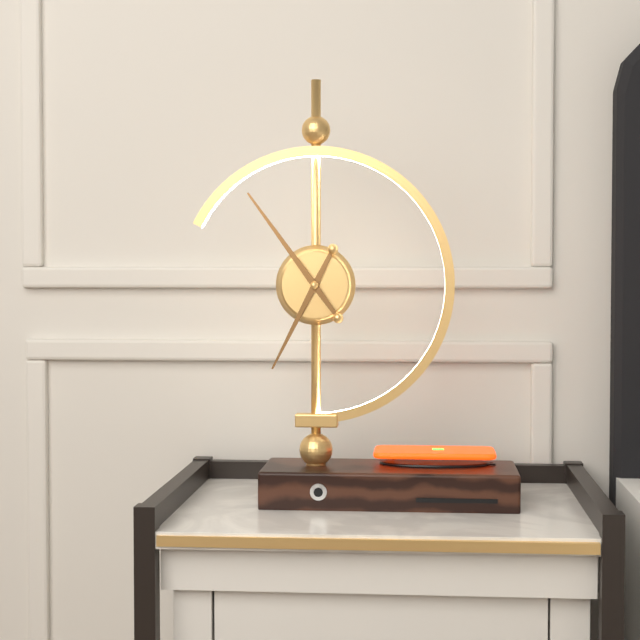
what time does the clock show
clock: 6:54
